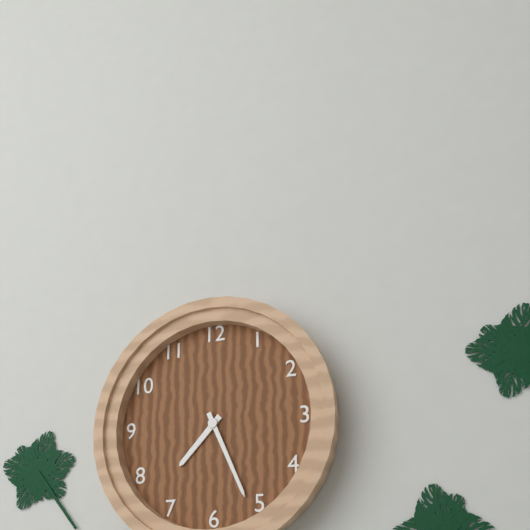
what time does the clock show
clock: 7:26
